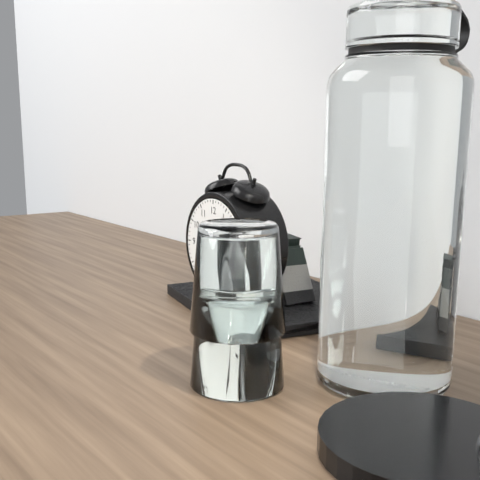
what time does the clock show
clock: 7:32
